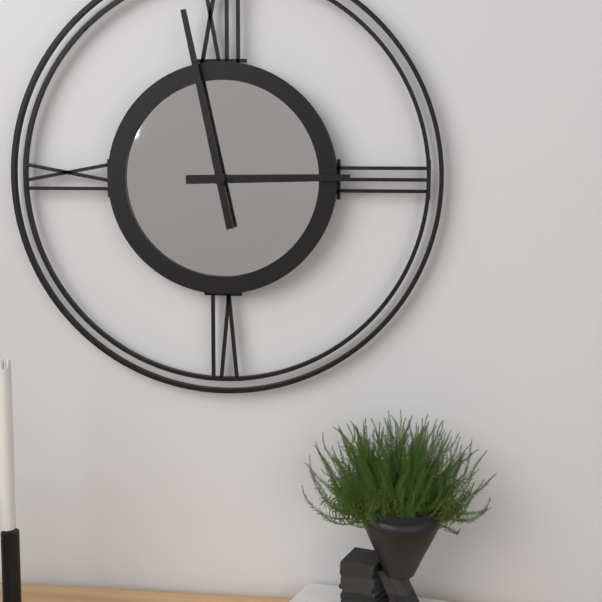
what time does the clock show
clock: 2:58
